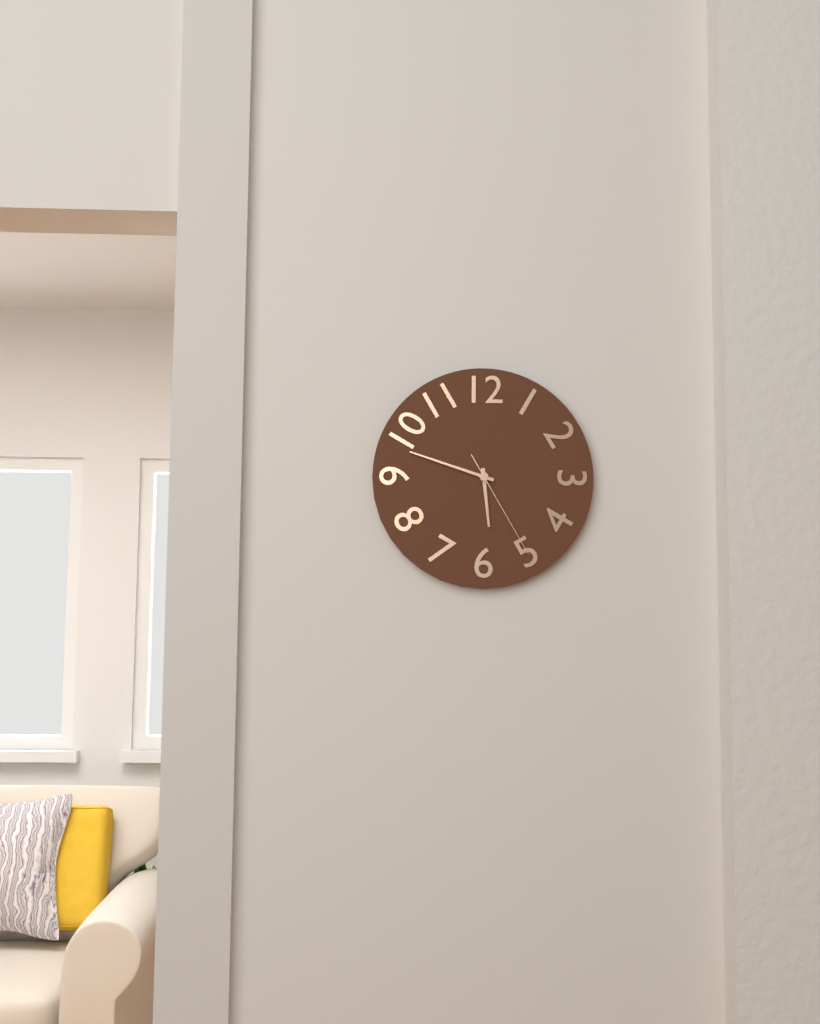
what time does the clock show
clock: 5:48:25
